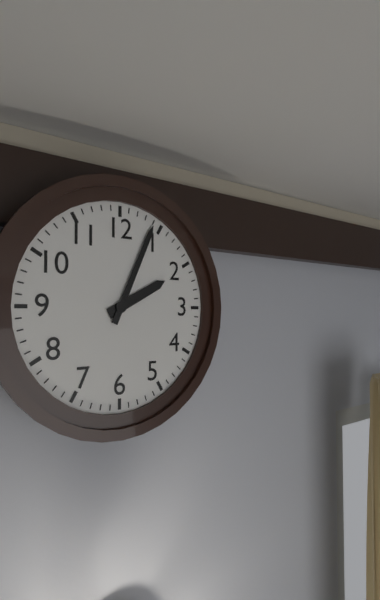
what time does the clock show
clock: 2:04
